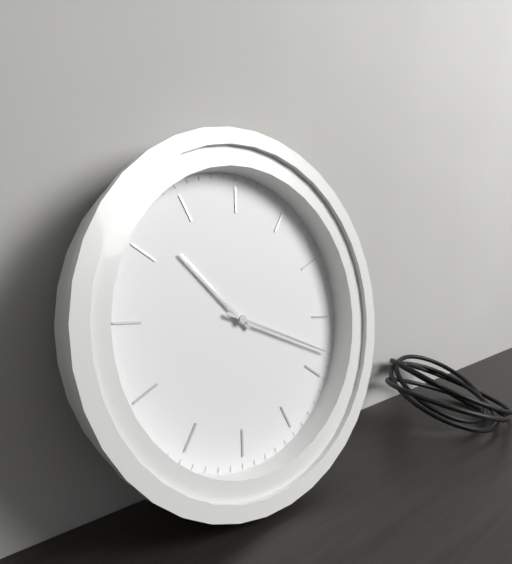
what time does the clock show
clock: 11:23
